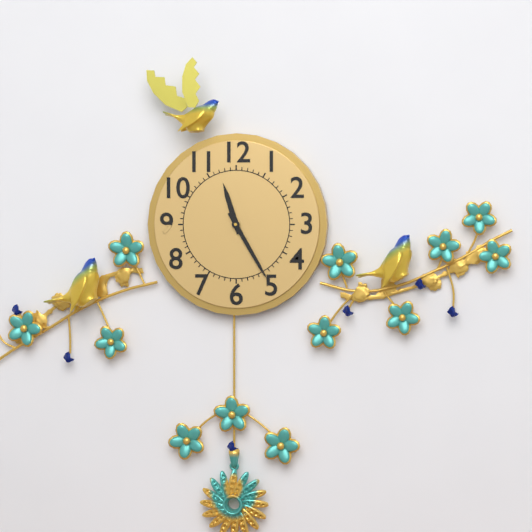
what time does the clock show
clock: 11:25
